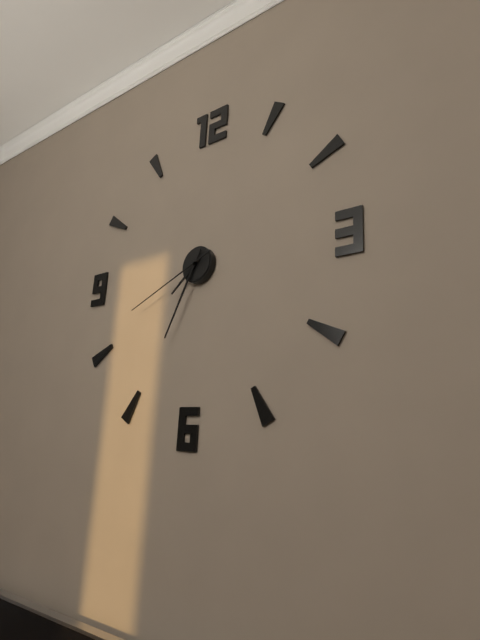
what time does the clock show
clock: 7:34:41
